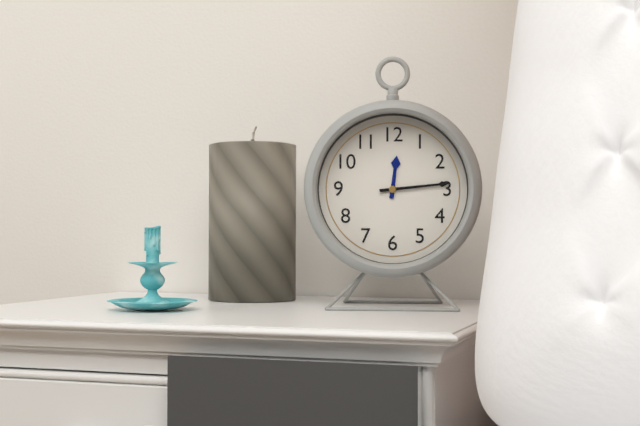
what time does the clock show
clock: 12:14
